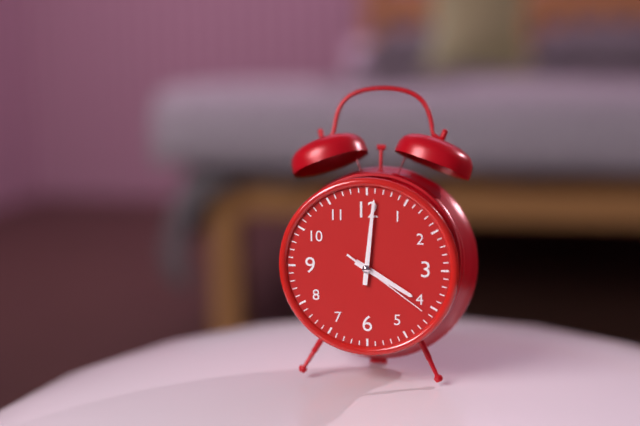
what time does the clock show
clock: 4:01:21
